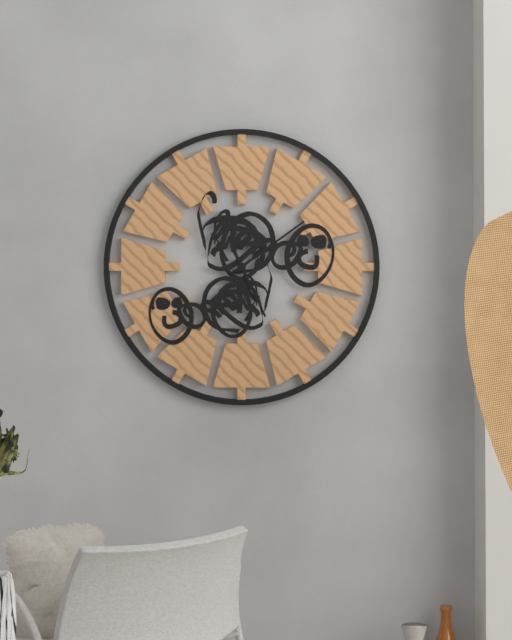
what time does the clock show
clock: 5:09
